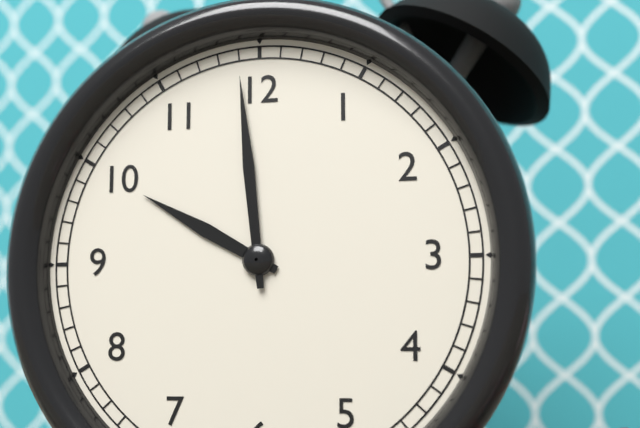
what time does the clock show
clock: 9:59
